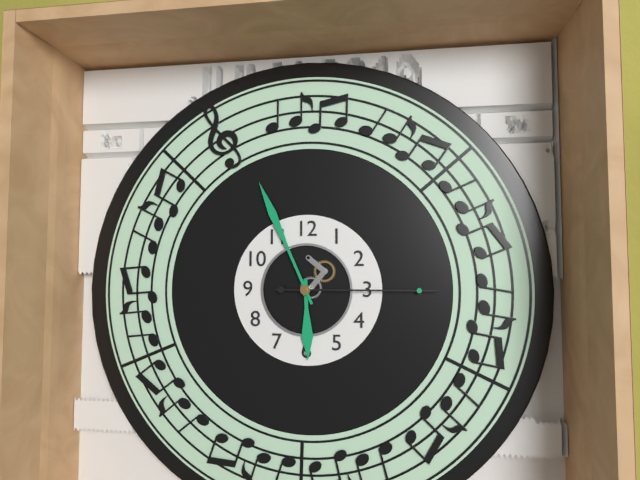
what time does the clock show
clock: 5:56:15
